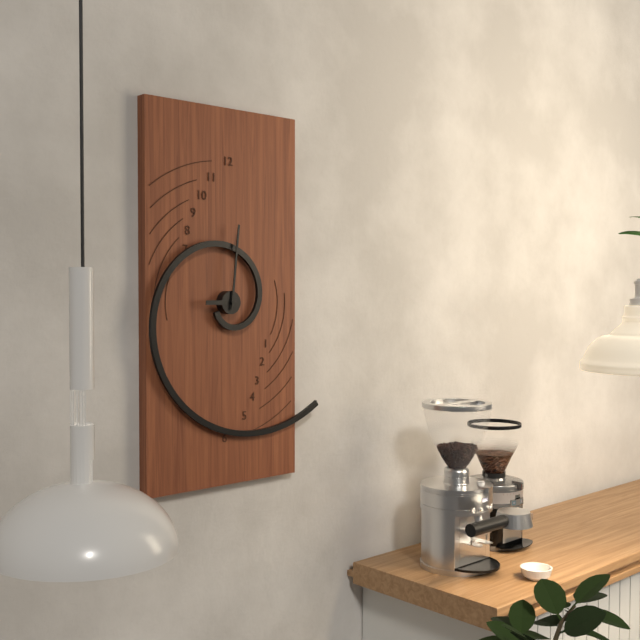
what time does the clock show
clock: 9:01
